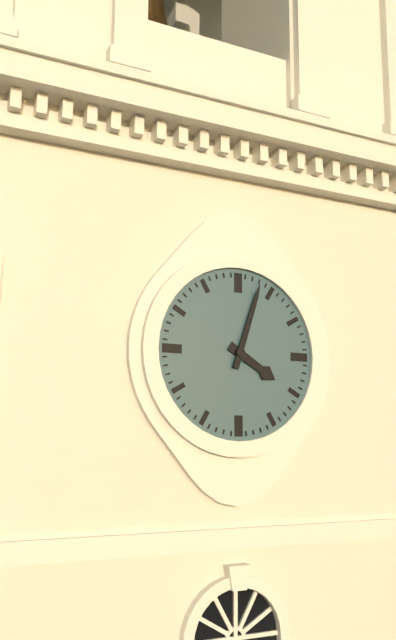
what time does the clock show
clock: 4:03
